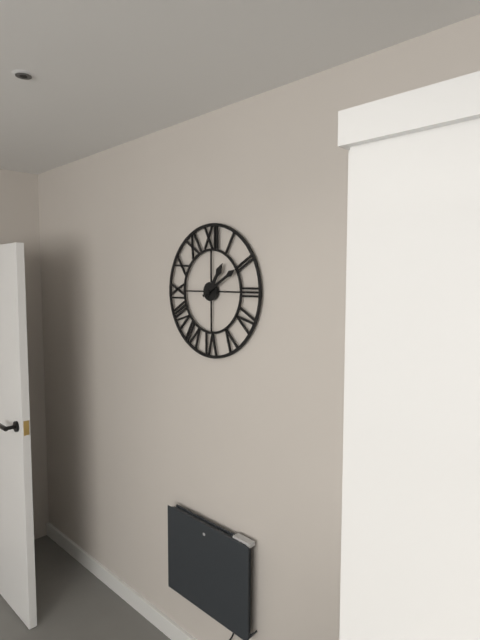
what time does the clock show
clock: 1:10
